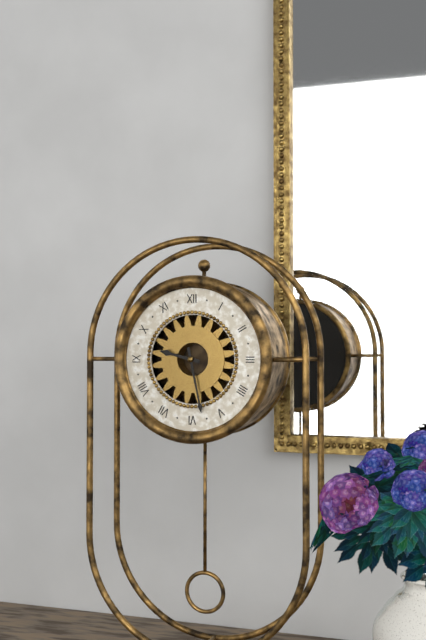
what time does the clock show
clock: 9:28
